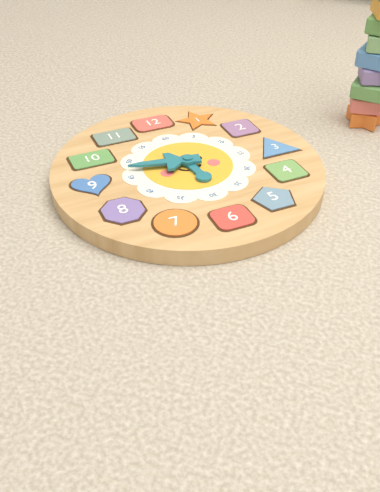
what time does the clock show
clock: 5:47
